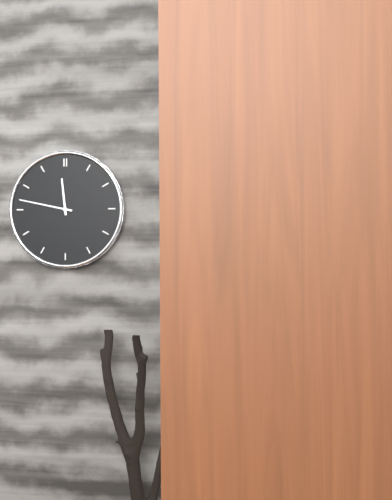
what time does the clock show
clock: 11:47
